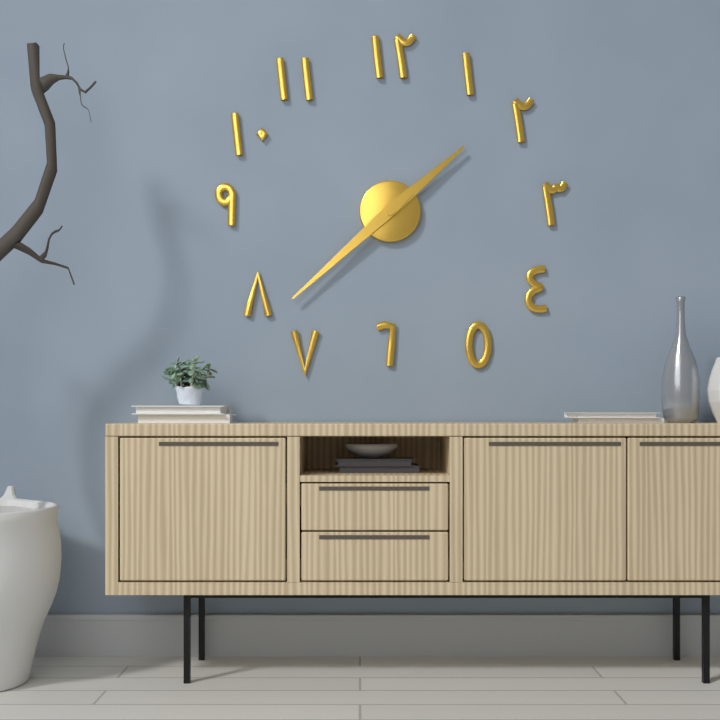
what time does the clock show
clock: 1:38
